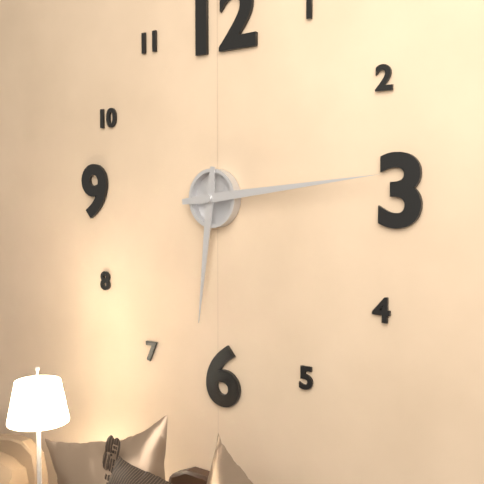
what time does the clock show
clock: 6:14
